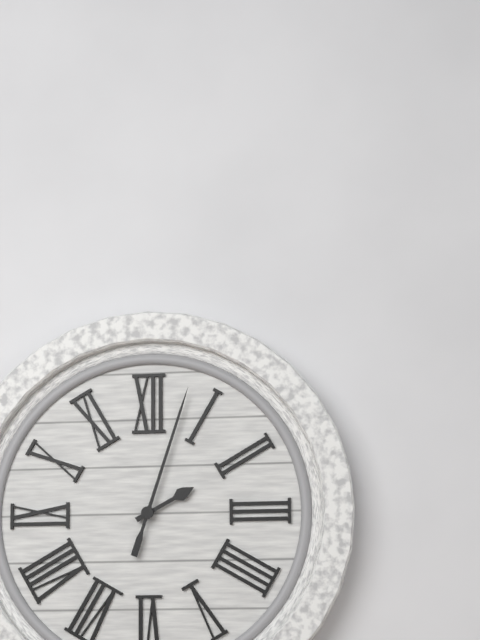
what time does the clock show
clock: 2:03
